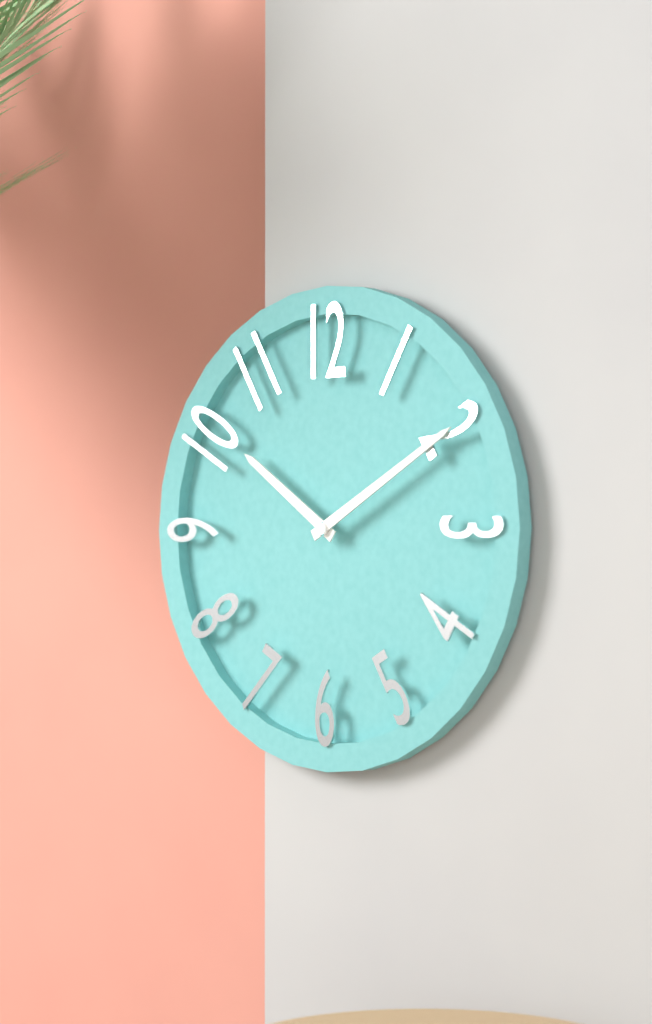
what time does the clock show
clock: 10:10
